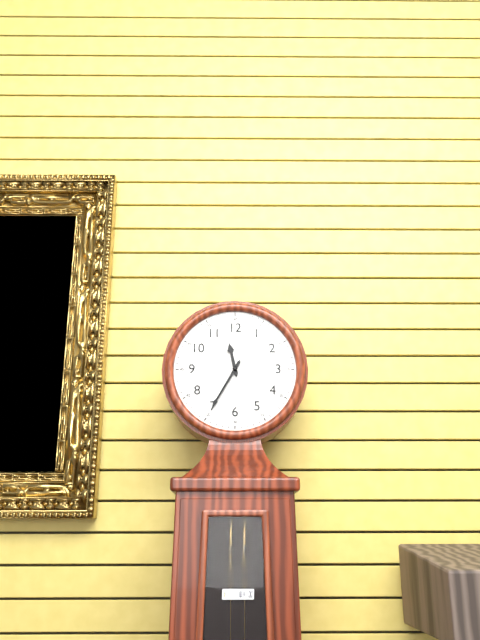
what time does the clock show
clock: 11:35
